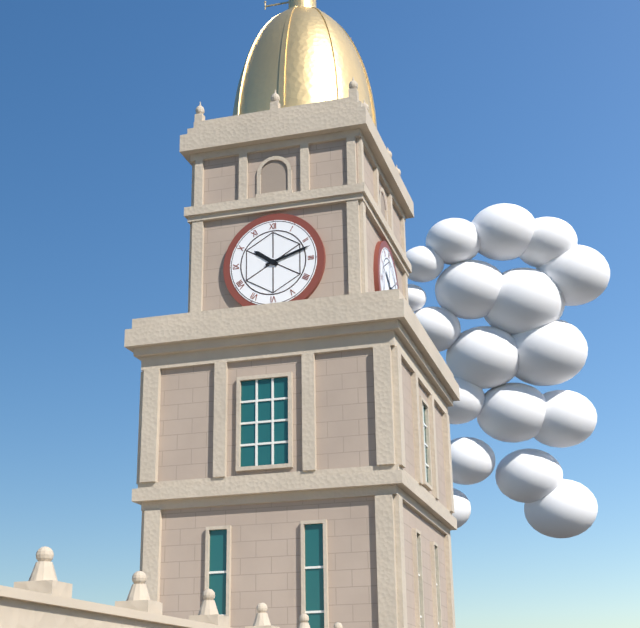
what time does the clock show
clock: 10:12
